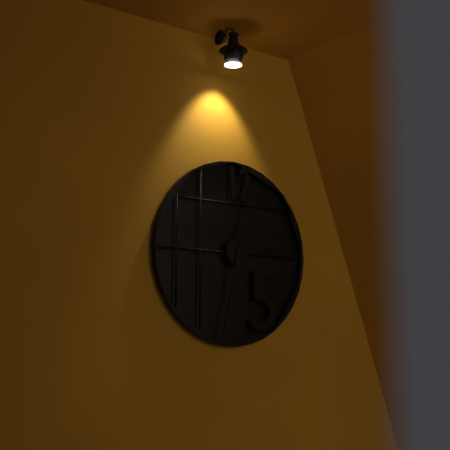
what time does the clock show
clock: 12:32
